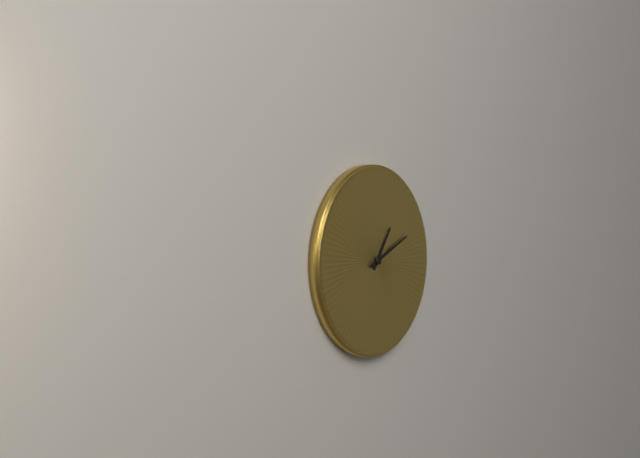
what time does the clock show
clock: 1:11
